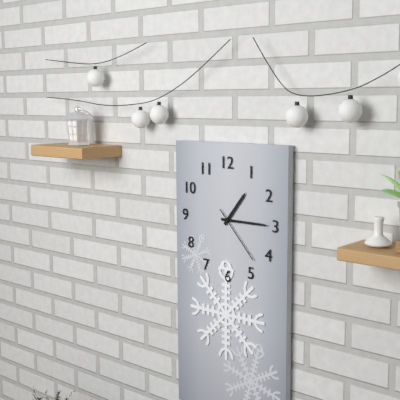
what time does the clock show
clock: 1:15:23
